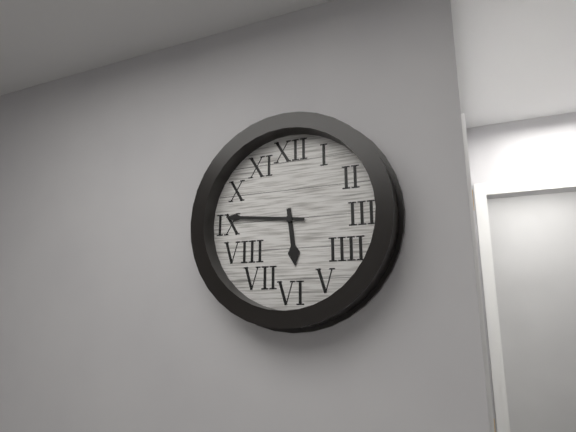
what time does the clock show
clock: 5:46
